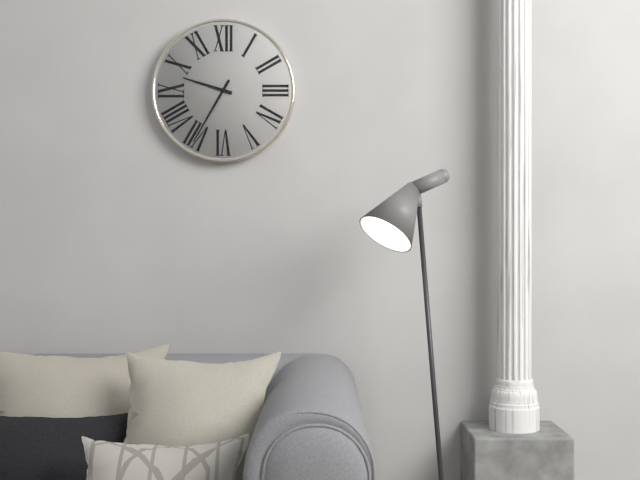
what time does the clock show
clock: 9:35
